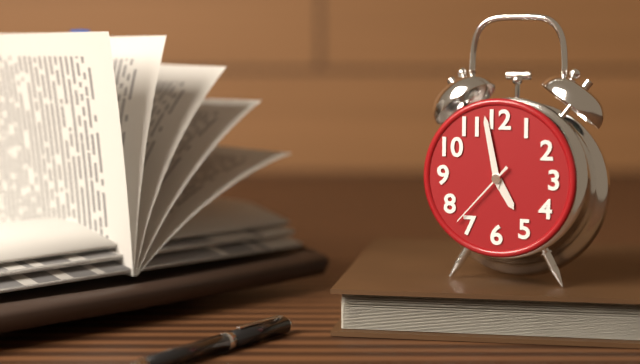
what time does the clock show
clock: 4:58:37
